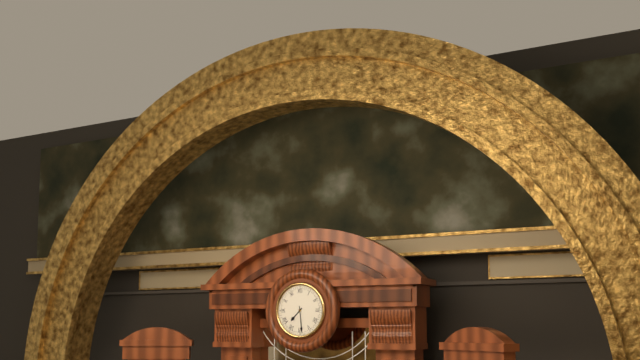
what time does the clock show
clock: 7:29
